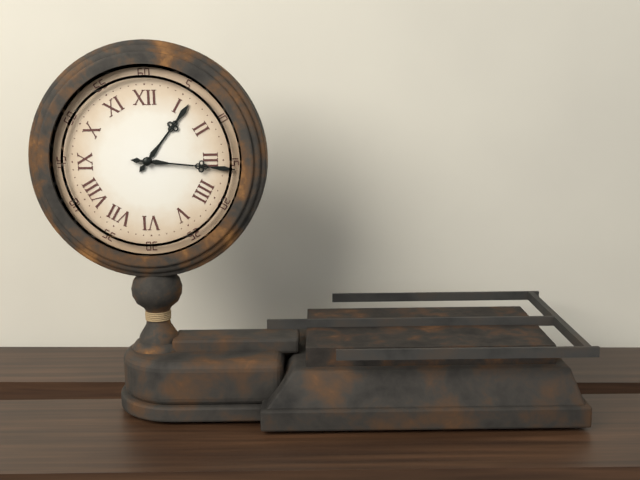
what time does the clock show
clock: 1:16
